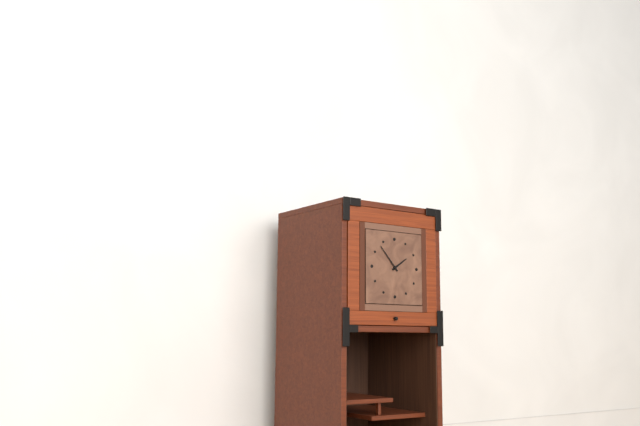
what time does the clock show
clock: 1:53
